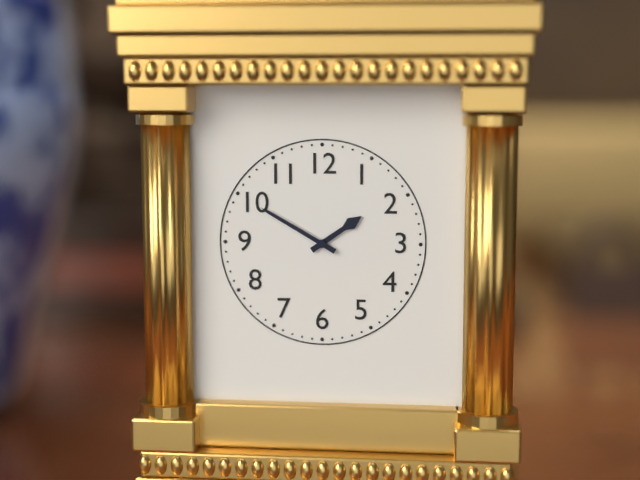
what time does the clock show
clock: 1:50
